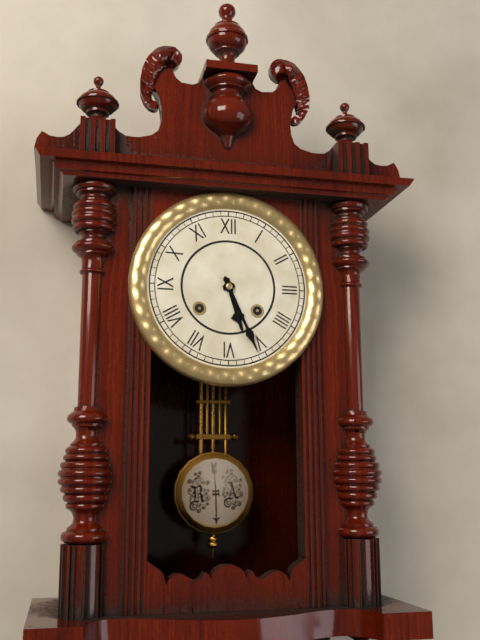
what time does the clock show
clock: 5:26
